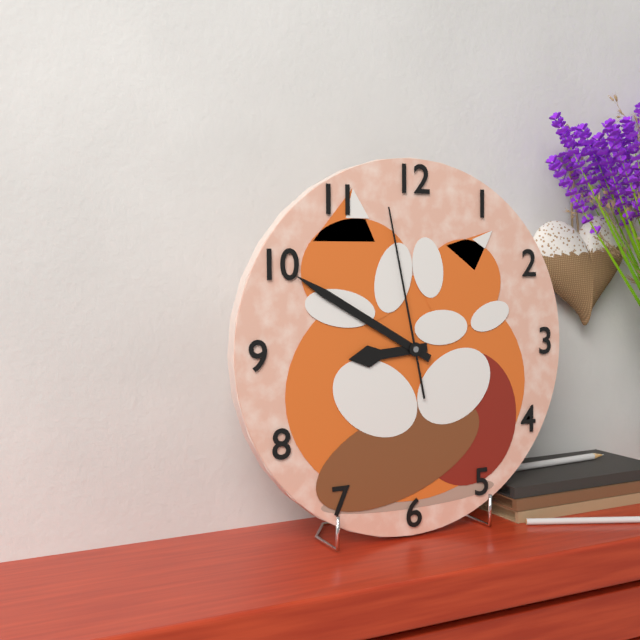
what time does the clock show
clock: 8:50:58
